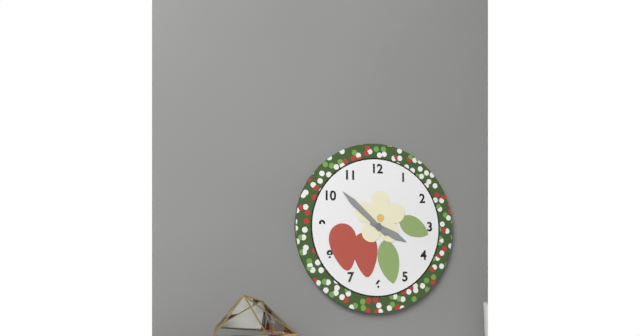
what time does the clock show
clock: 3:52
